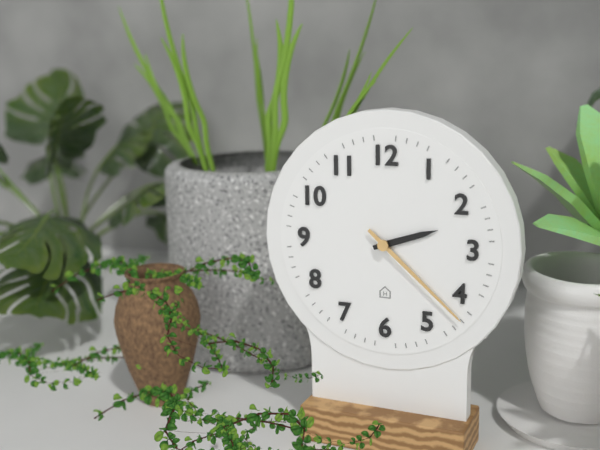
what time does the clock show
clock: 2:22
